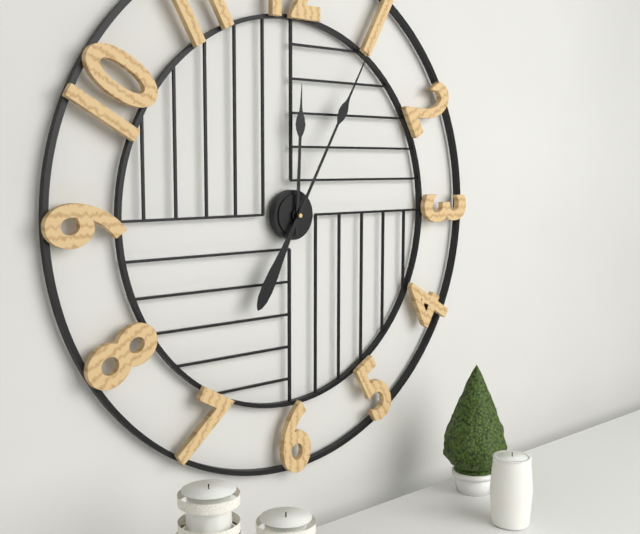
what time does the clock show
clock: 12:05
